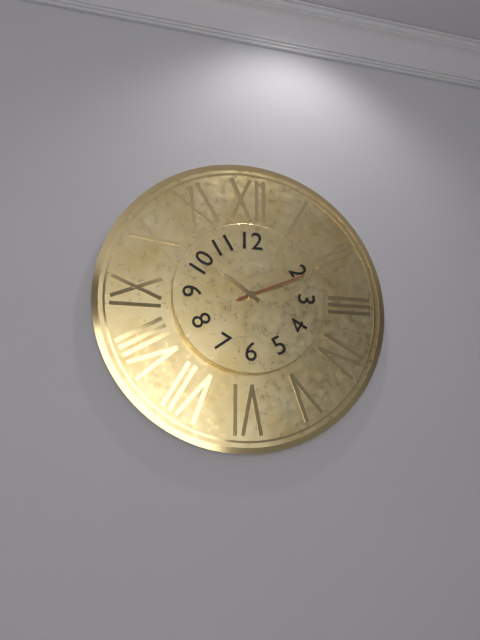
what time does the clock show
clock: 10:11:11
